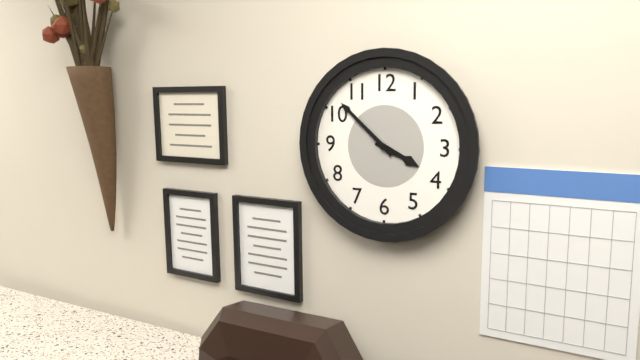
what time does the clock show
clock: 3:52
